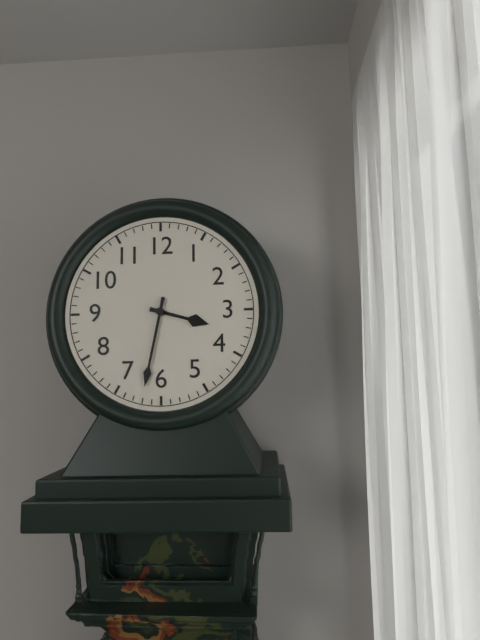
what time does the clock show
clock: 3:32
